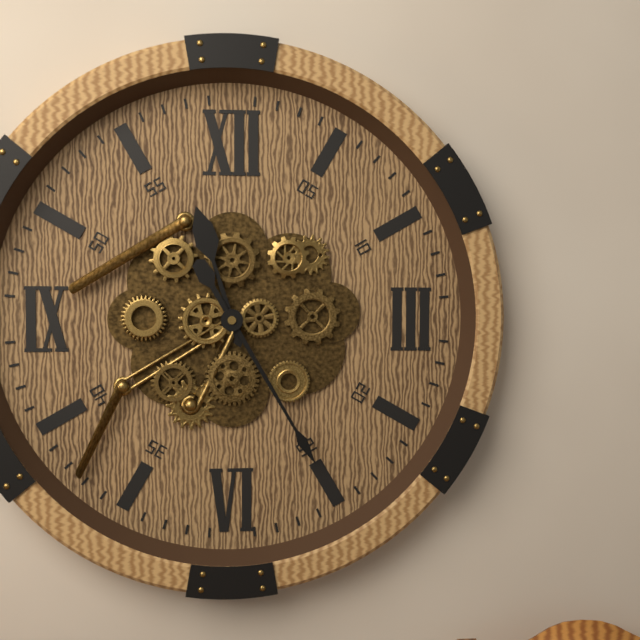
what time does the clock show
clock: 11:25
